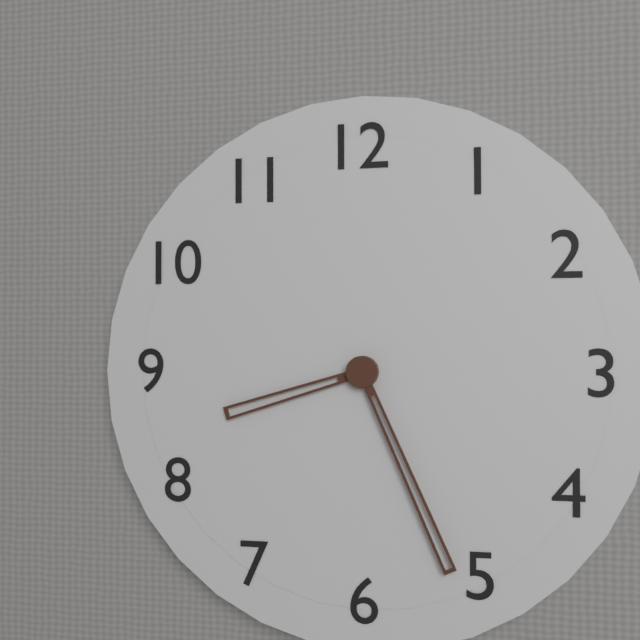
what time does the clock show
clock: 8:26
